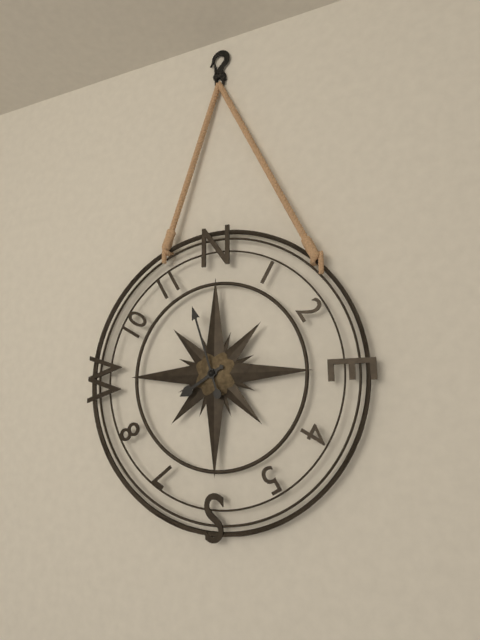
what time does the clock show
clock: 7:57
